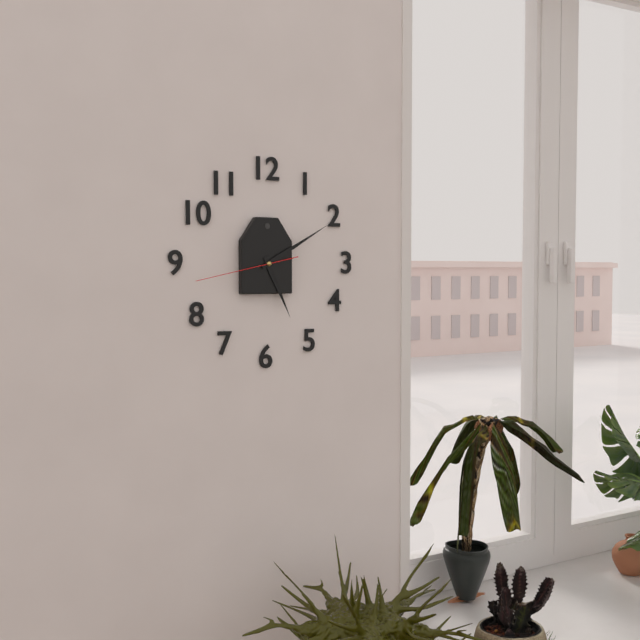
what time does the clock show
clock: 5:10:43
